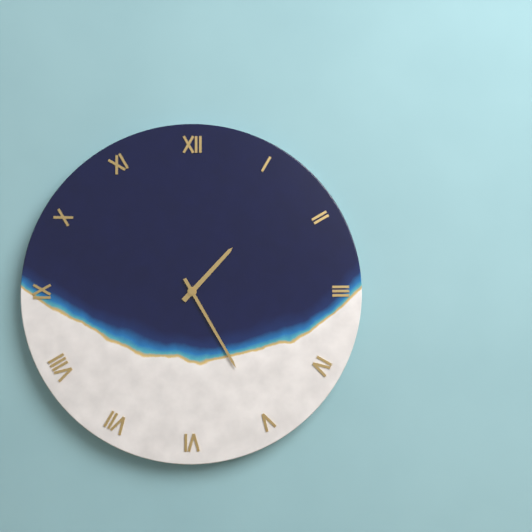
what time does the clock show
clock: 1:25
